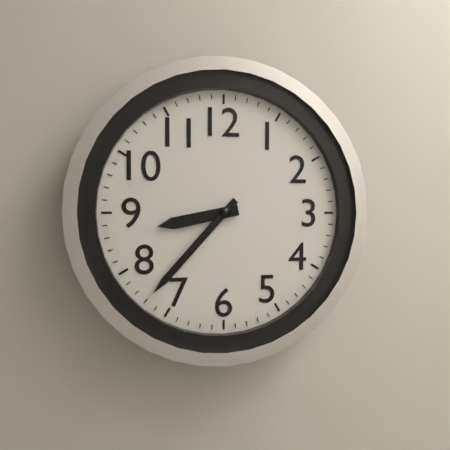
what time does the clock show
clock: 8:37
